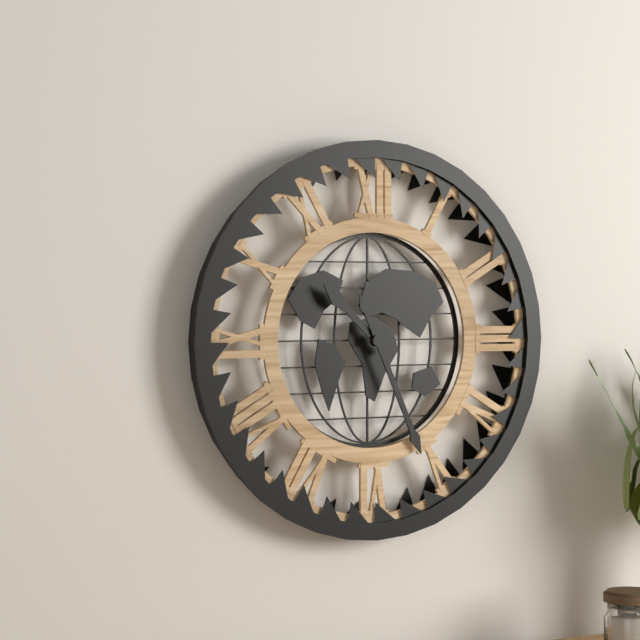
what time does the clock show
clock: 10:26
